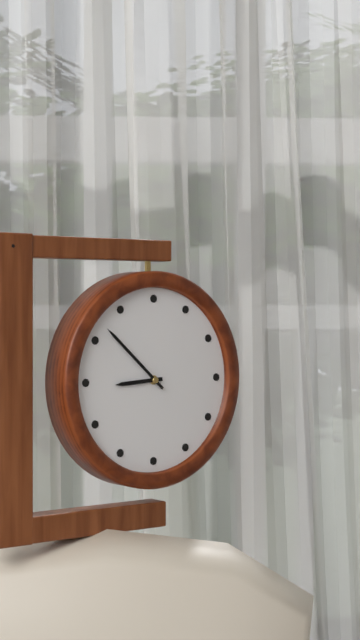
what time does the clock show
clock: 8:52
